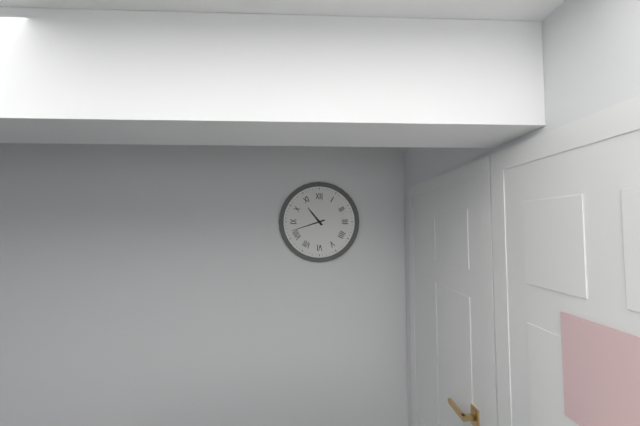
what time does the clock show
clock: 10:42
